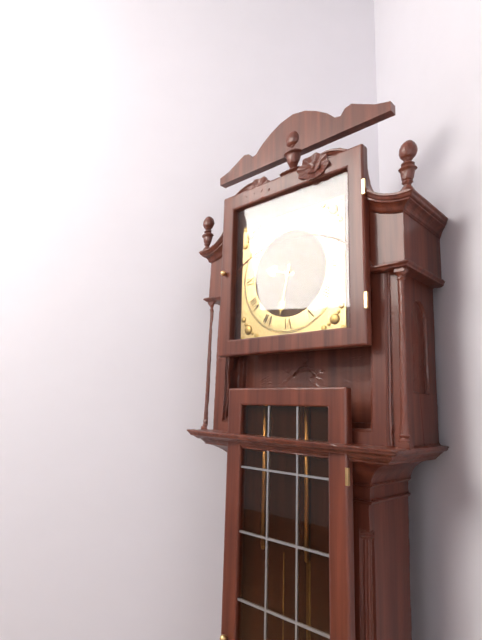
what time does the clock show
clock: 9:32
